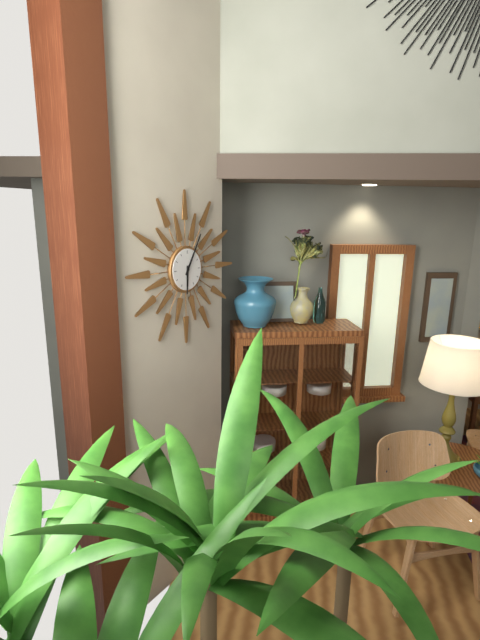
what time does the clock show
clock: 6:05
